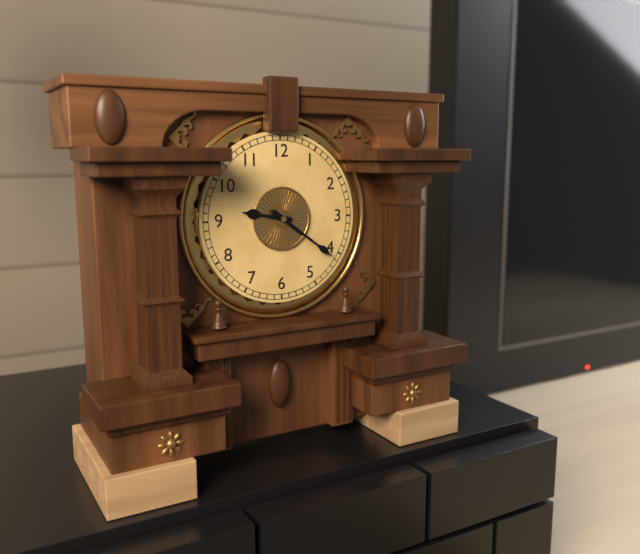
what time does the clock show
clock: 9:21
